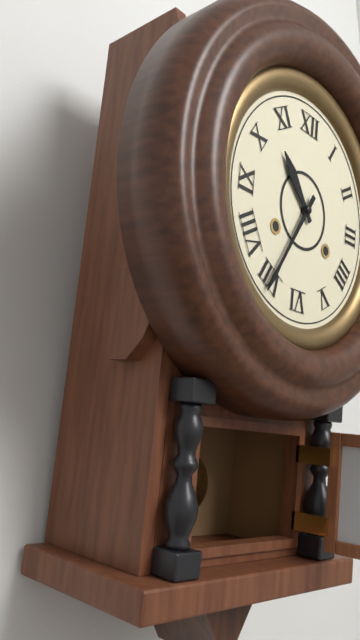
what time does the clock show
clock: 10:35
